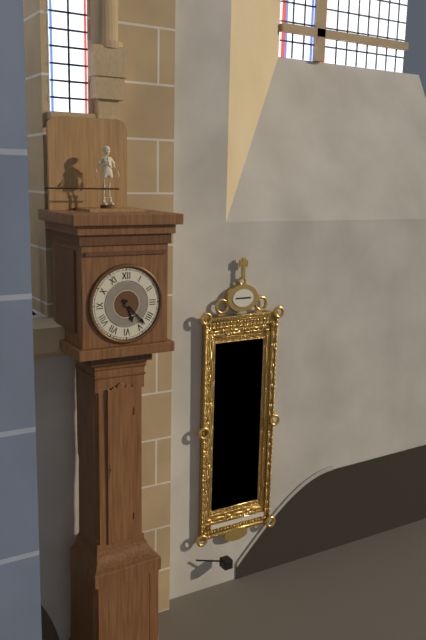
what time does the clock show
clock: 5:23
